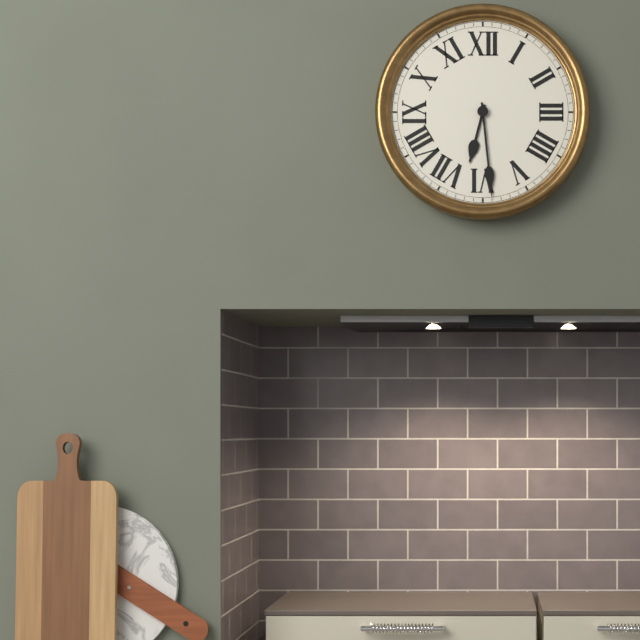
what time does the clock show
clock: 6:29
